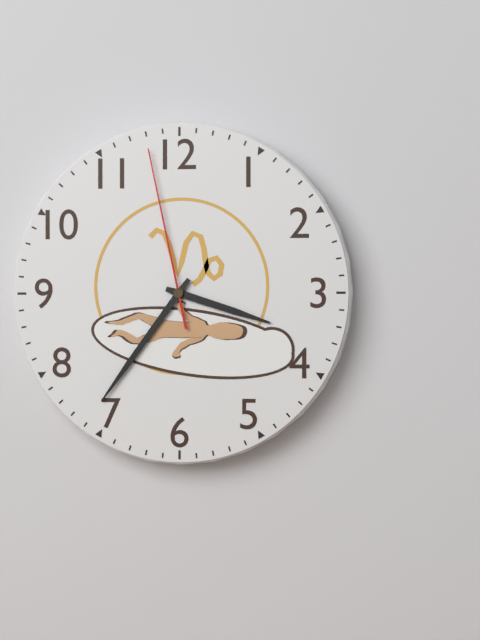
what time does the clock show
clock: 3:36:58
